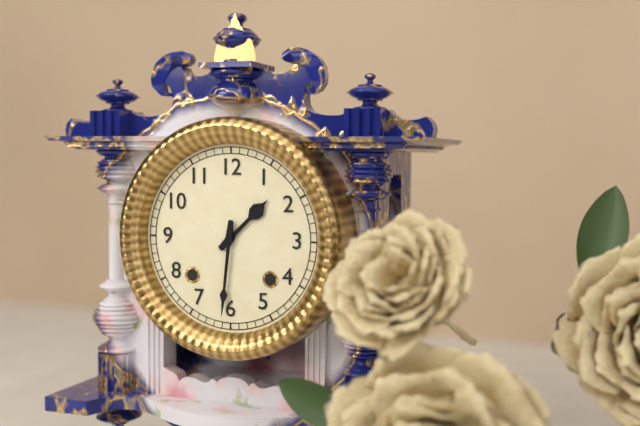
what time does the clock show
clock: 1:31
